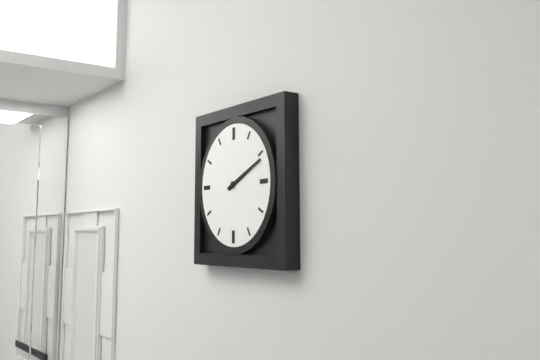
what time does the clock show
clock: 2:11
